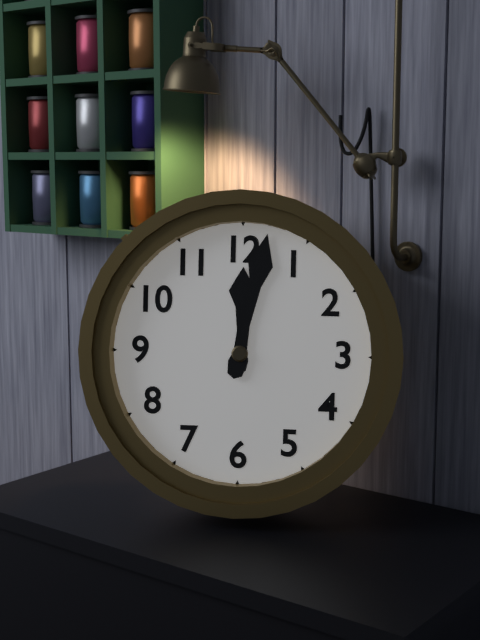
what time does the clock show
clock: 12:02
